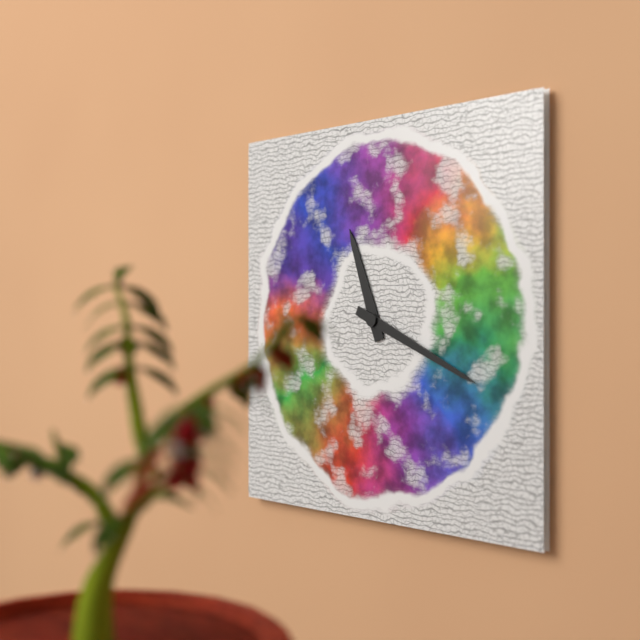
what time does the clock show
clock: 11:19
